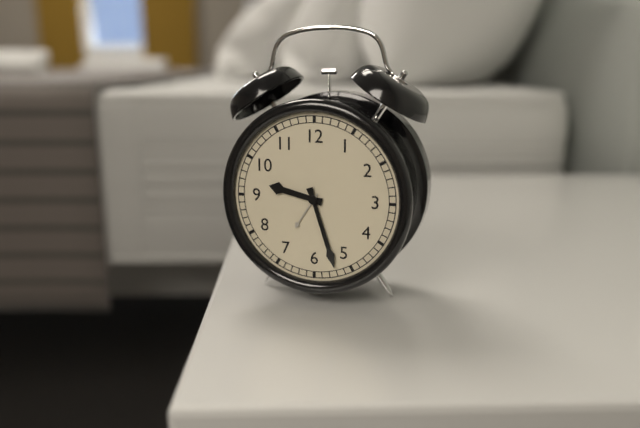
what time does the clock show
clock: 9:27
